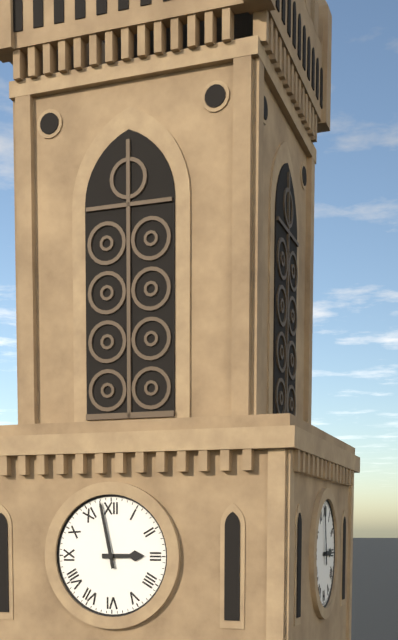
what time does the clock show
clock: 2:58
